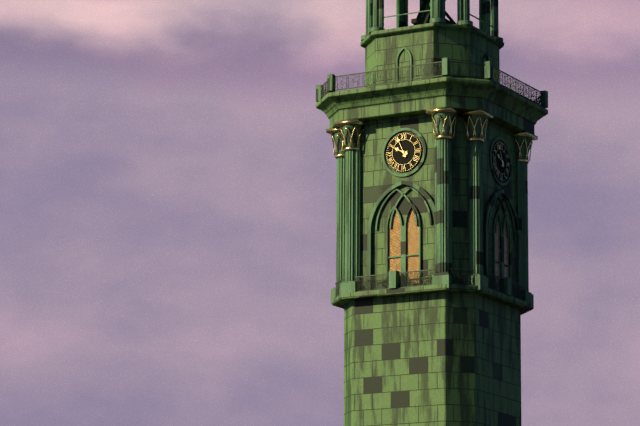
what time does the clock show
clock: 9:56
